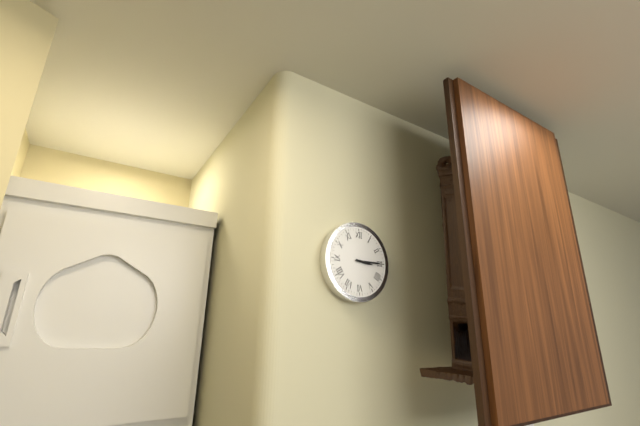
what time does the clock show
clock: 3:15
